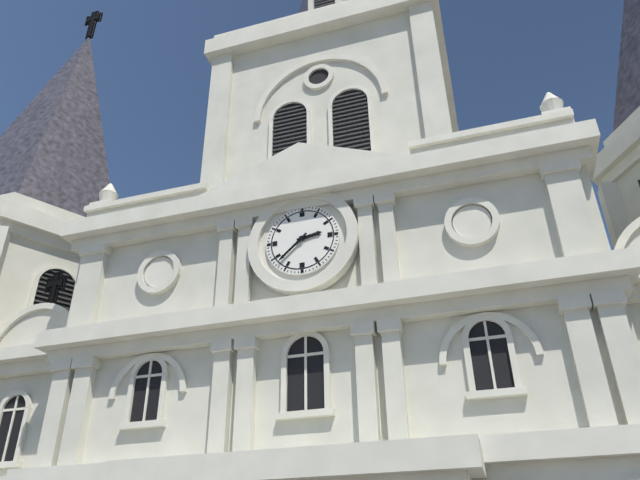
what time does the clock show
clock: 2:38
